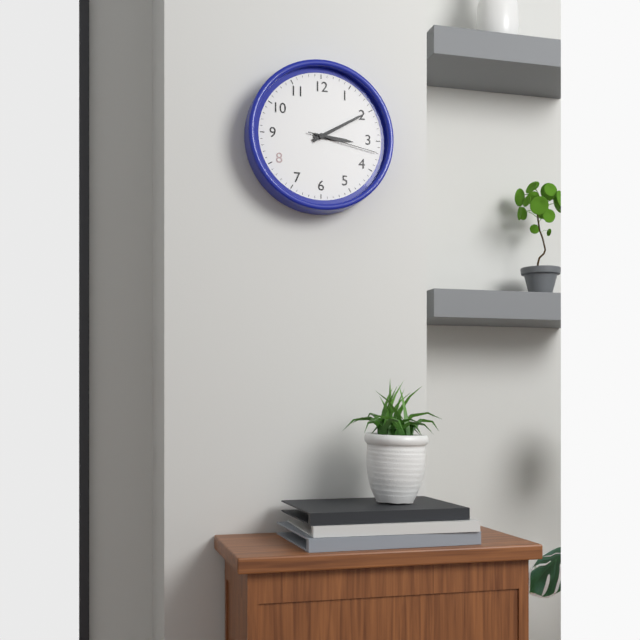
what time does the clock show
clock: 3:10:17
